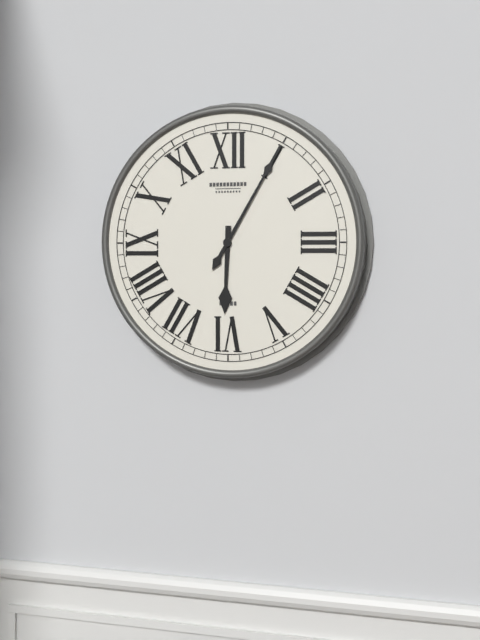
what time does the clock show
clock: 6:05
